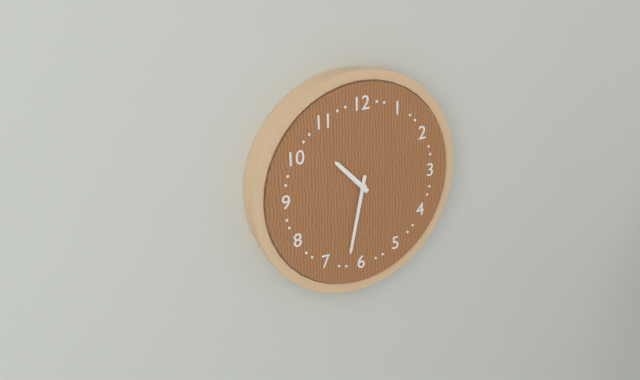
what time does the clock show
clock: 10:32
